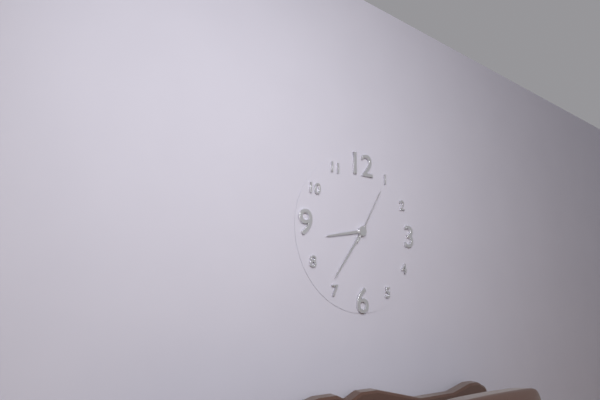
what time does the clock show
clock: 8:36:05
